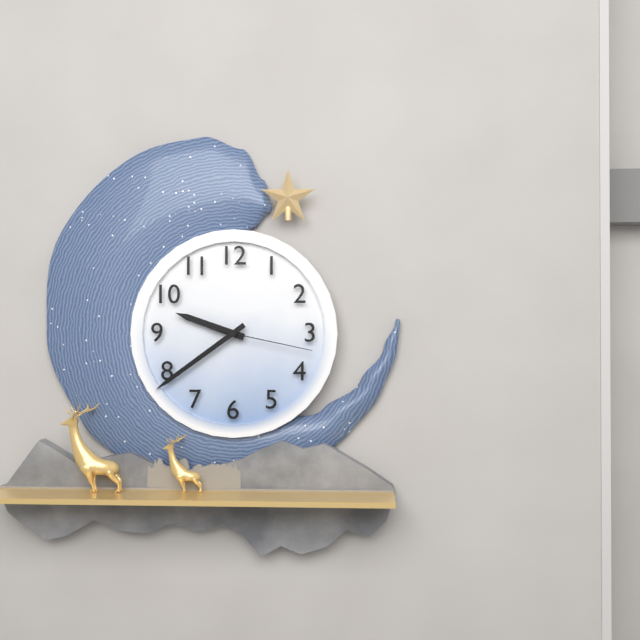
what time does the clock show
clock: 9:39:17
